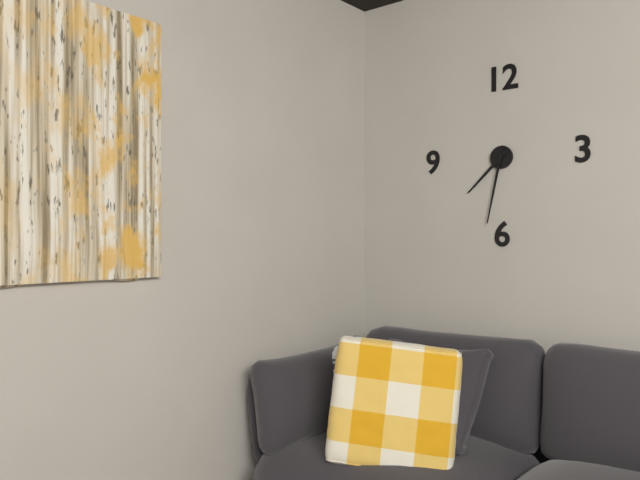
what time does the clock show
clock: 7:32
